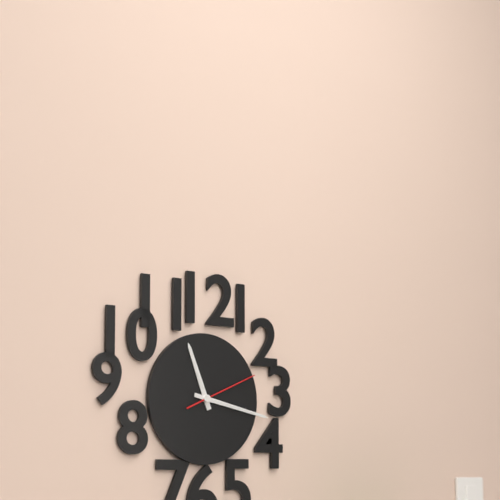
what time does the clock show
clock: 11:17:11
